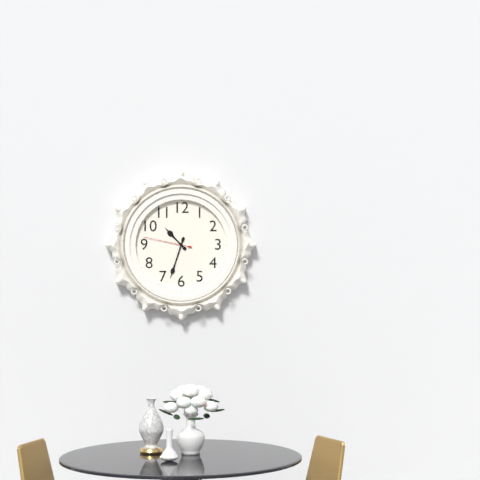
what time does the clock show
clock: 10:33
